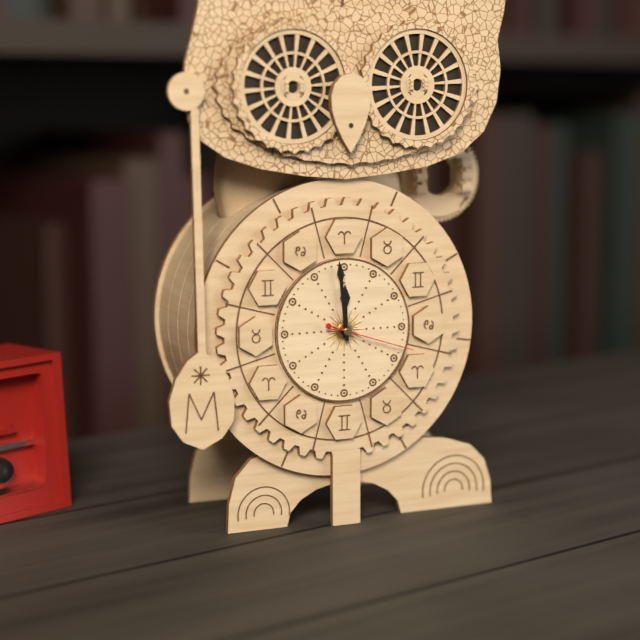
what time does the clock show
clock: 11:59:18
